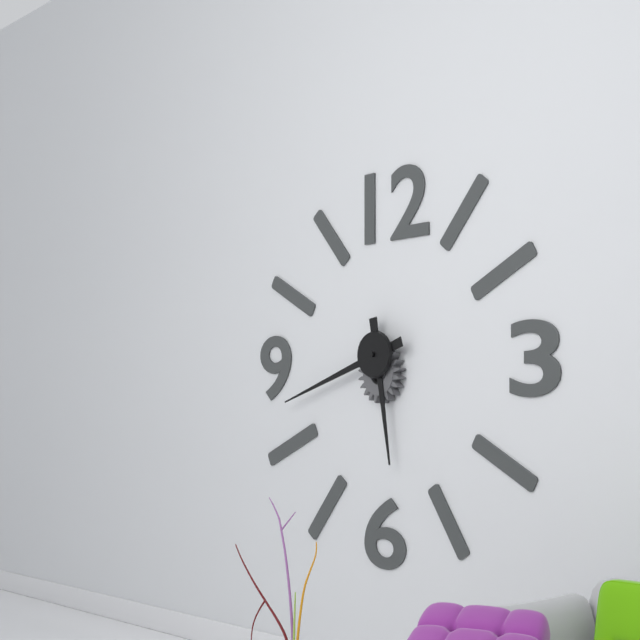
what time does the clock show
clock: 5:42
